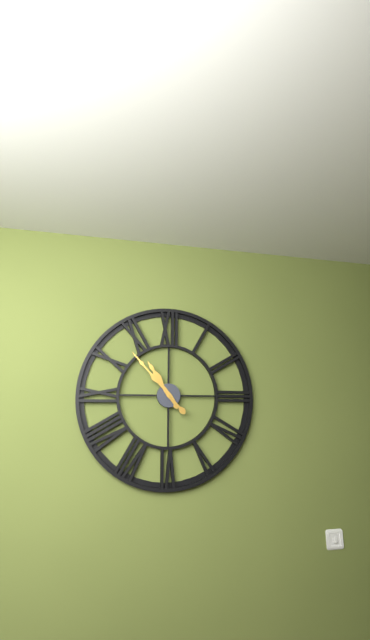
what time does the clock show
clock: 10:53
